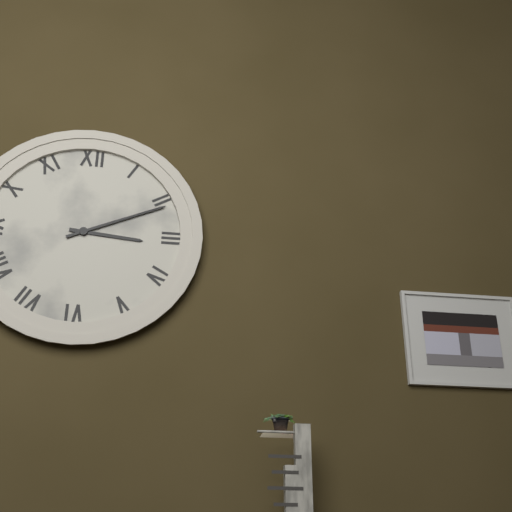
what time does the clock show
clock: 3:11
